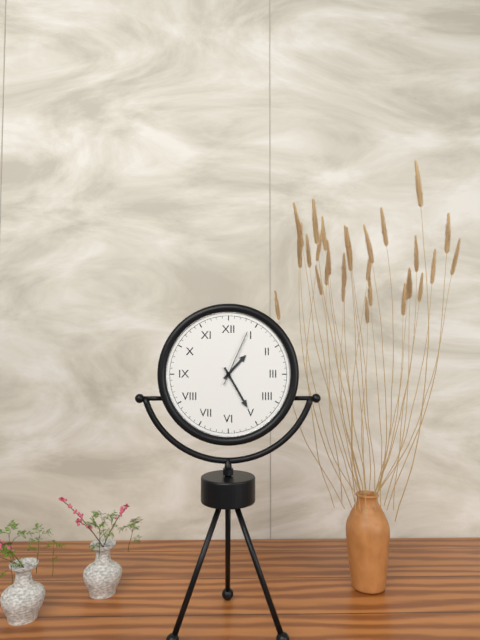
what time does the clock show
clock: 1:25:04
